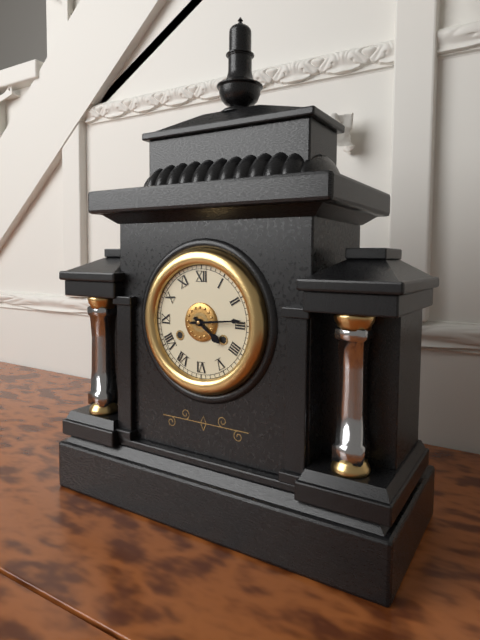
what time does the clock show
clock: 4:14
